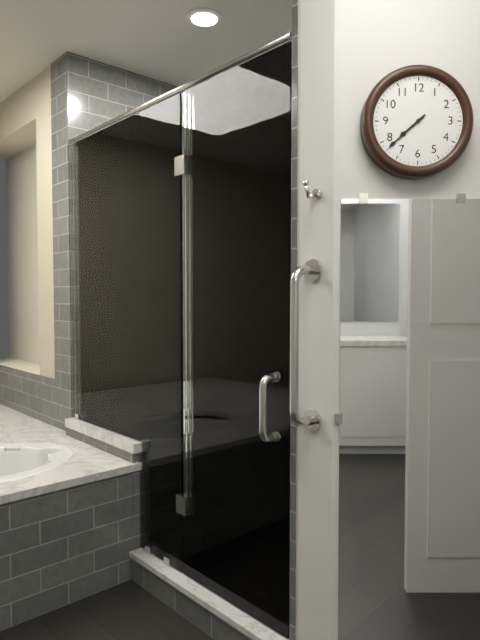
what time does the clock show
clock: 7:38
